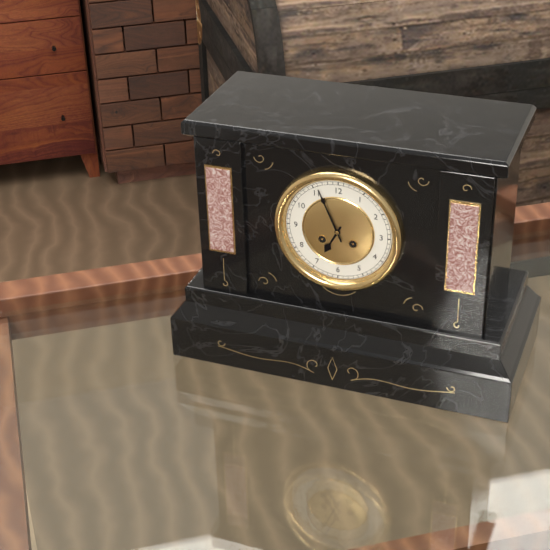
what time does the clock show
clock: 6:56
